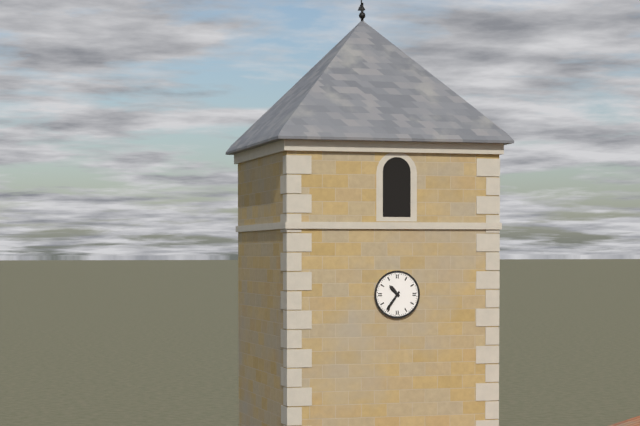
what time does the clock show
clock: 10:36
